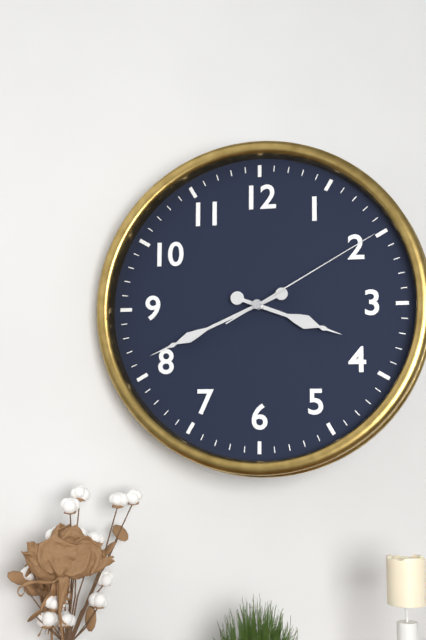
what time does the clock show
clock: 3:41:10
